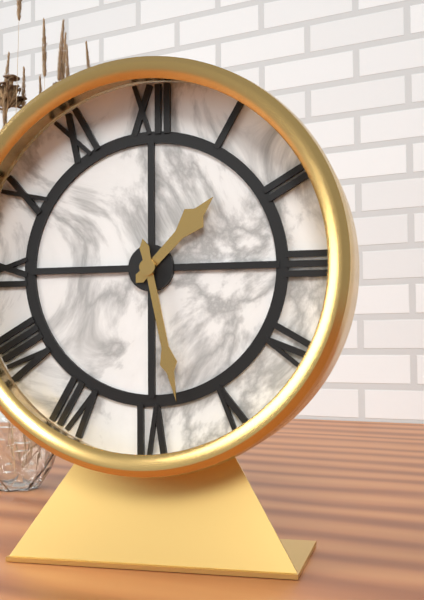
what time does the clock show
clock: 1:28
